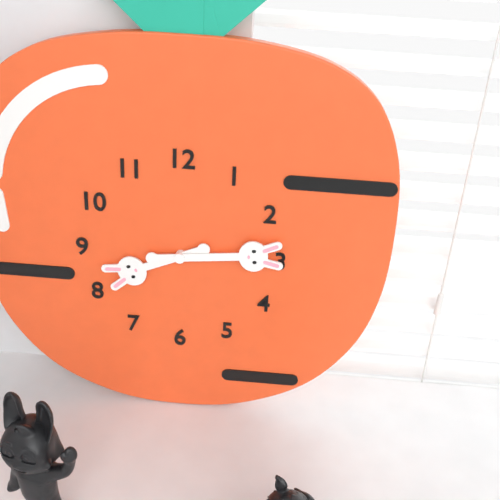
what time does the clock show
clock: 8:14
